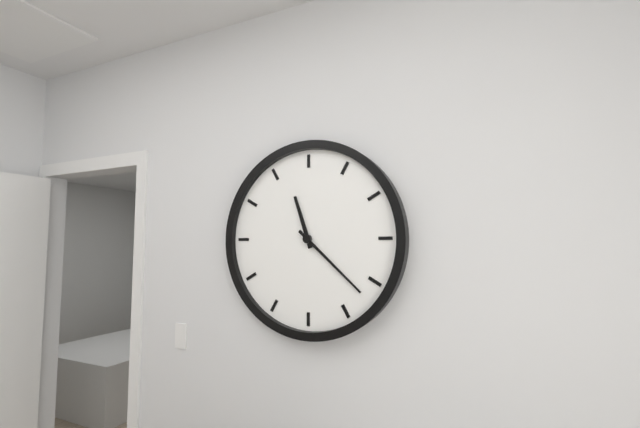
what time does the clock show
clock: 11:22
